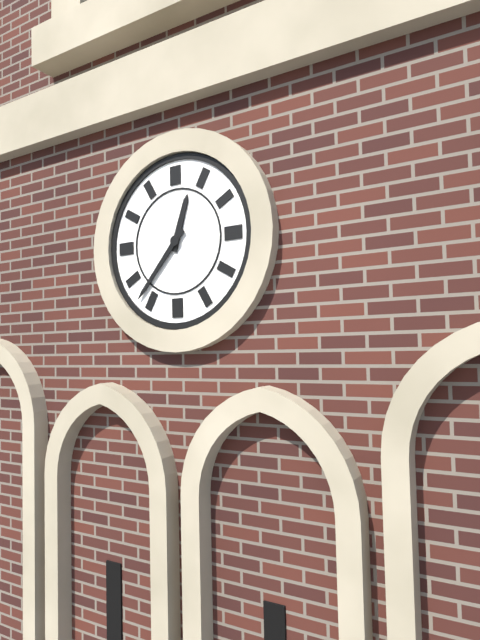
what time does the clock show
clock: 12:37
